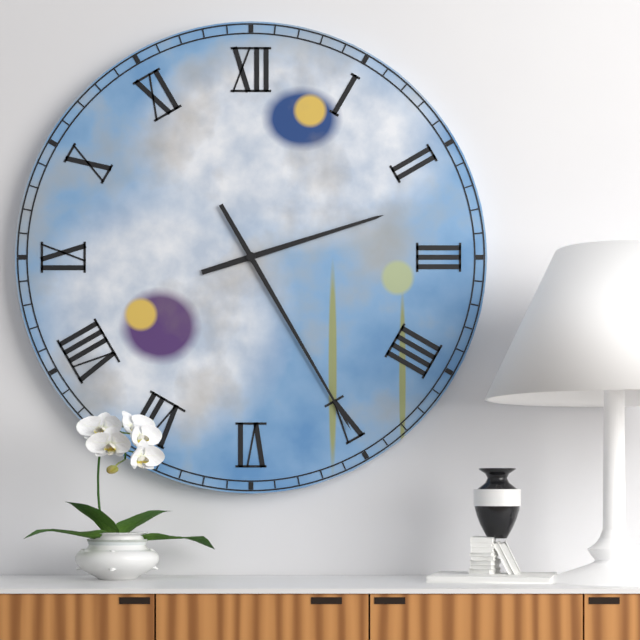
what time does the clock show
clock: 2:25
